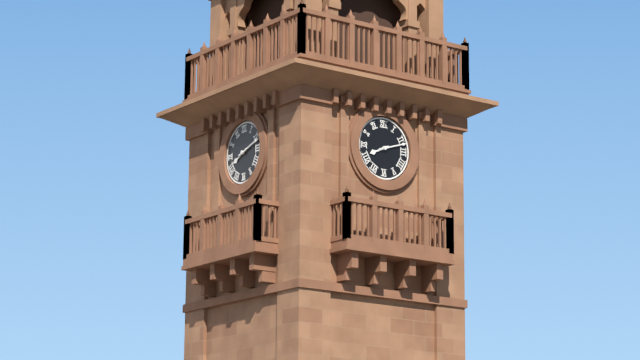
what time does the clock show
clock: 8:12
